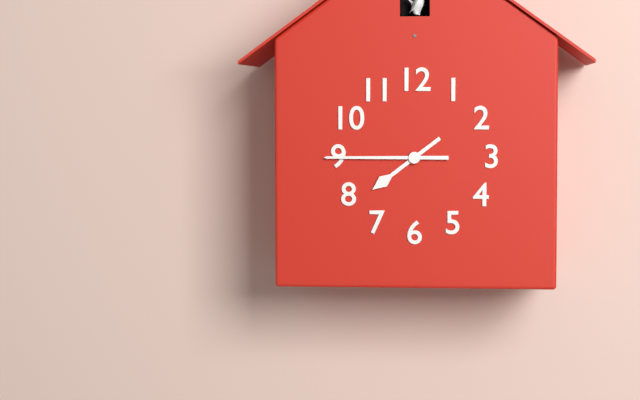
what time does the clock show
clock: 7:45
